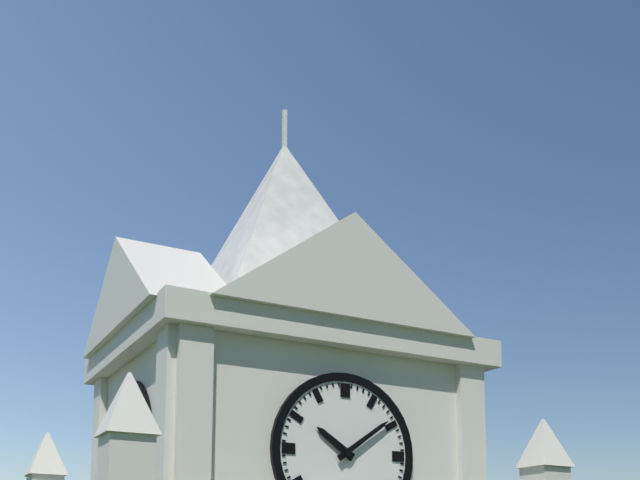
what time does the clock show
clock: 10:09
